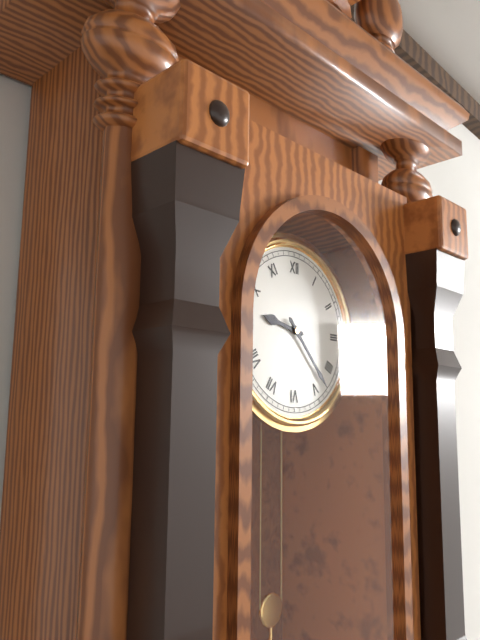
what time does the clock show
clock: 9:23
